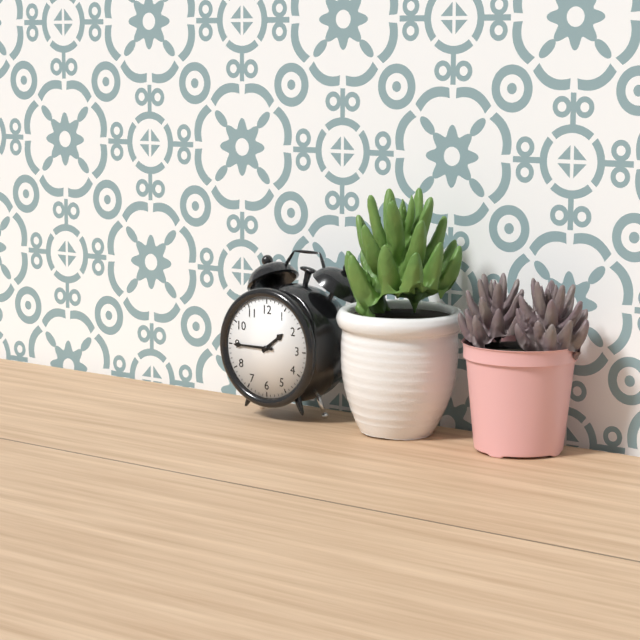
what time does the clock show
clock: 1:45
